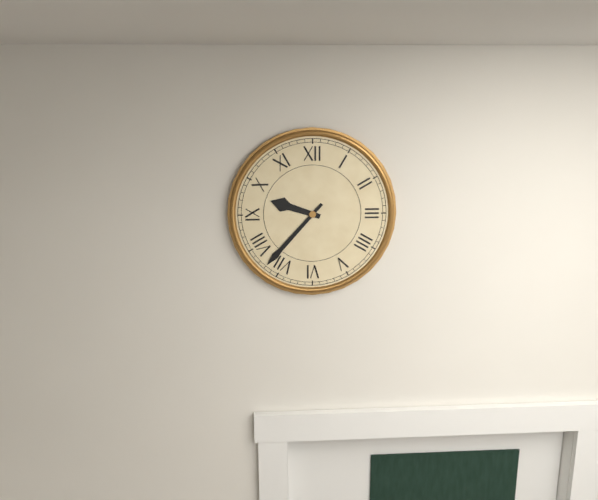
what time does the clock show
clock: 9:37
